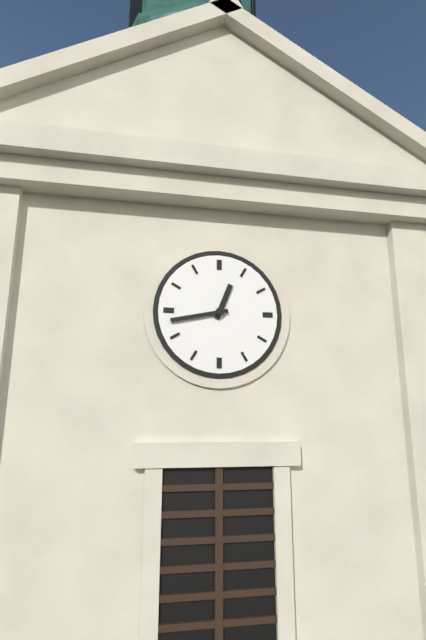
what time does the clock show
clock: 12:43
